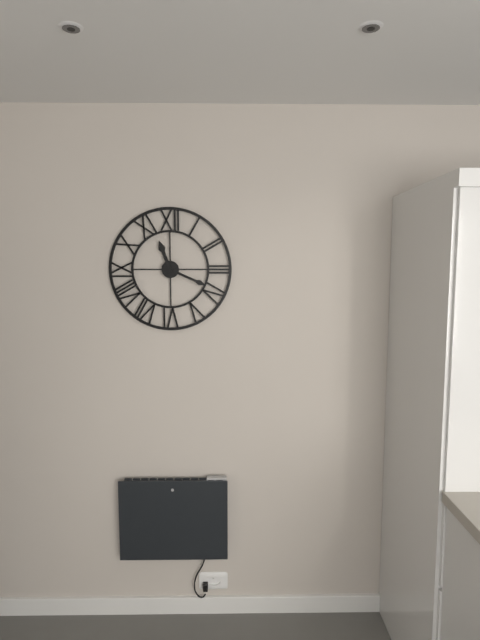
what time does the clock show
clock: 11:19
